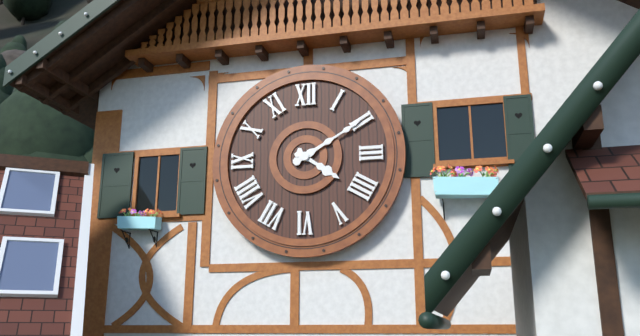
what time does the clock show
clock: 4:10
